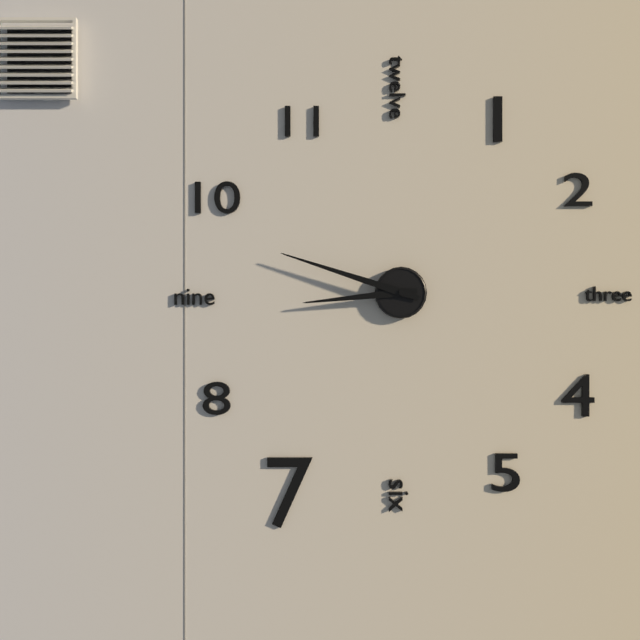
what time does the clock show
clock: 8:48
